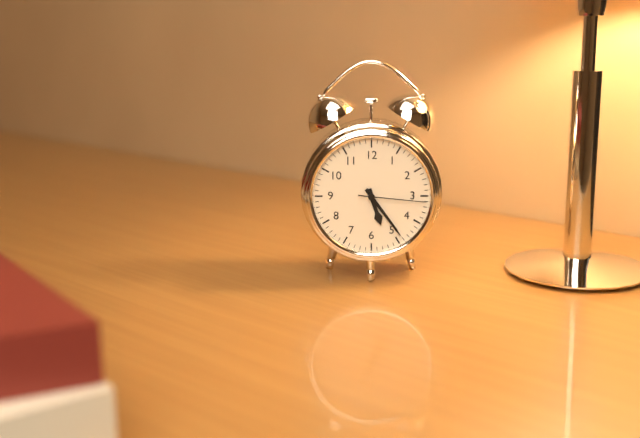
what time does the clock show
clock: 5:24:16
